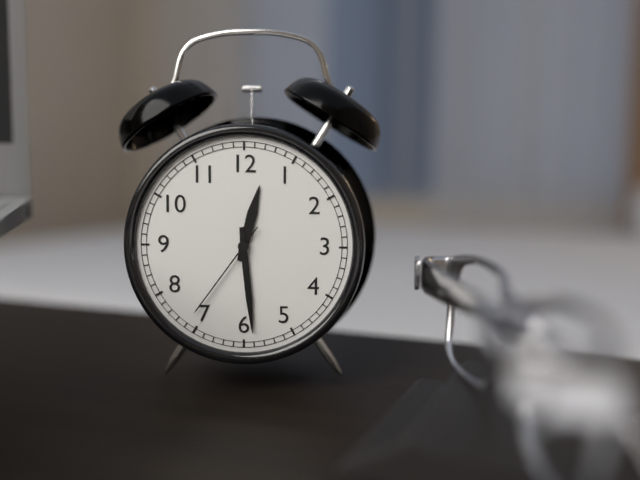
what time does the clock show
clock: 12:29:36
